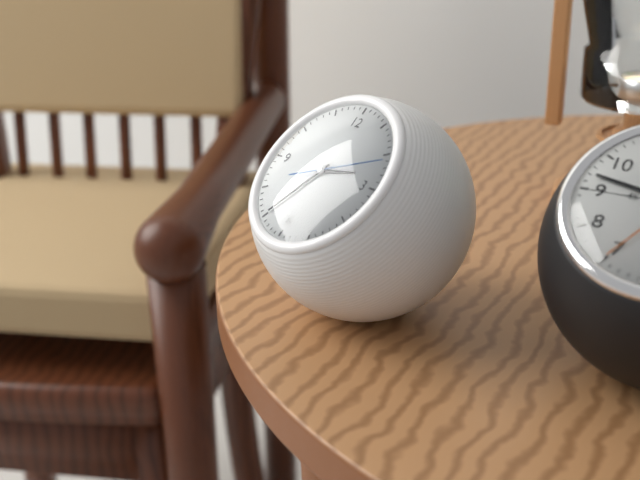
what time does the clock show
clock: 2:35:11
